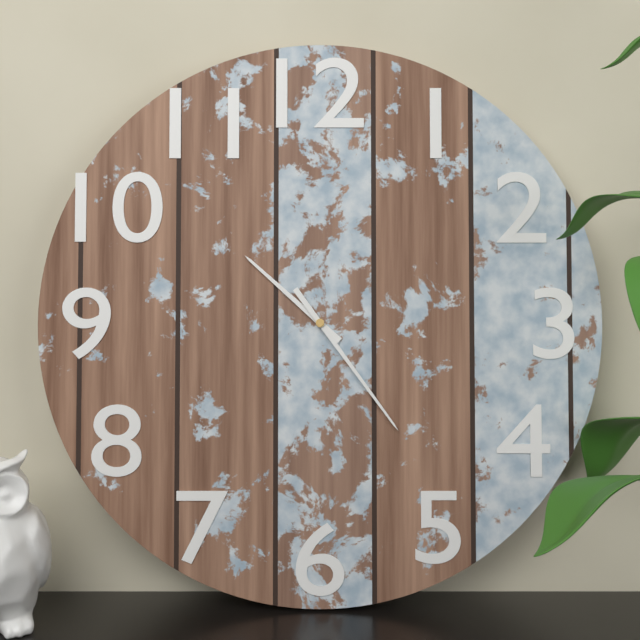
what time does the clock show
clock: 10:24
